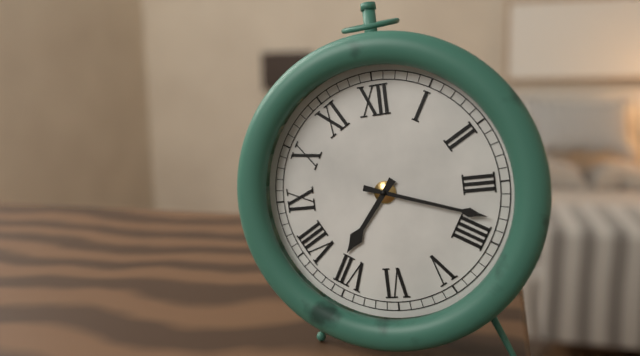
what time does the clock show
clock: 7:18
